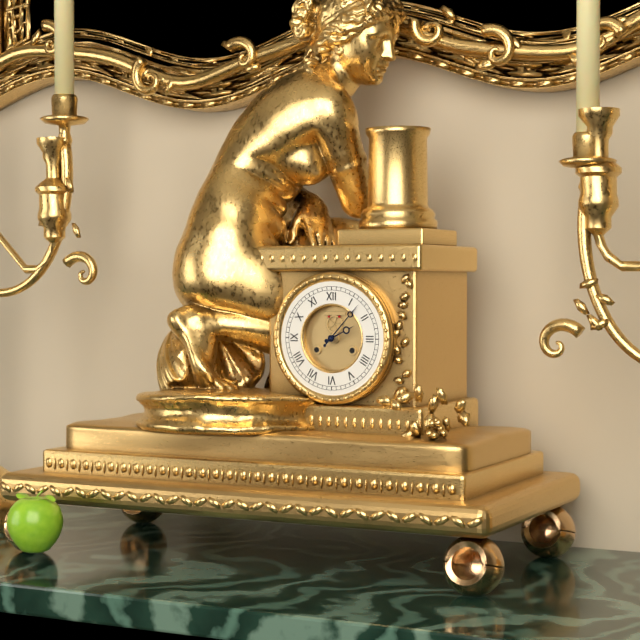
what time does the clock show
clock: 2:07
